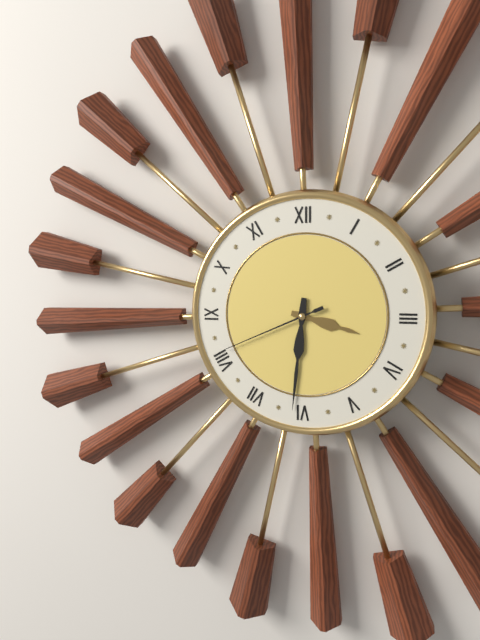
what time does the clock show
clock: 3:31:41
